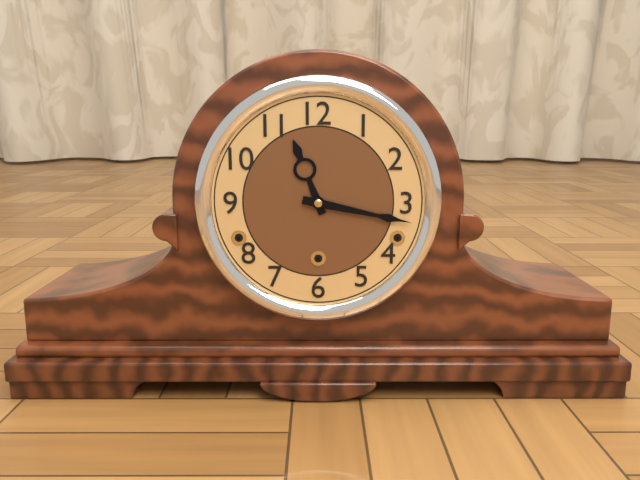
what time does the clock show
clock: 11:17
